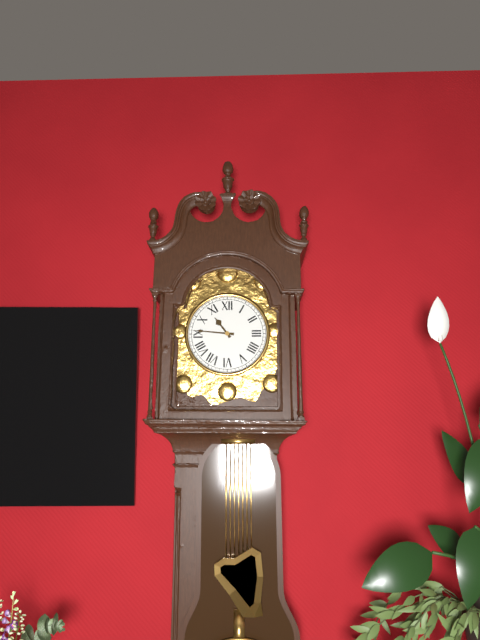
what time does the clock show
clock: 10:46
